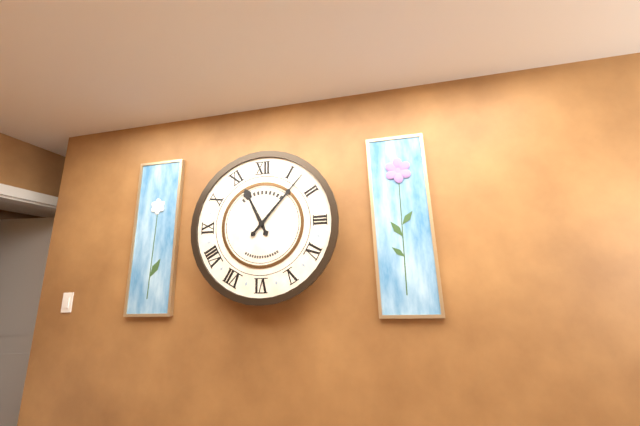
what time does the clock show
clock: 11:07
